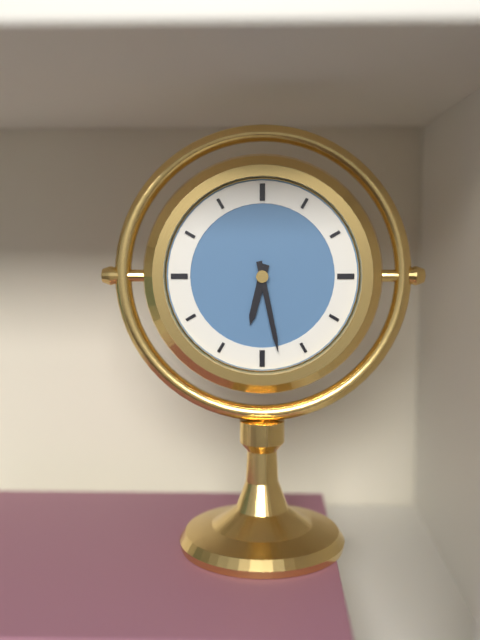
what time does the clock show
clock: 6:28
